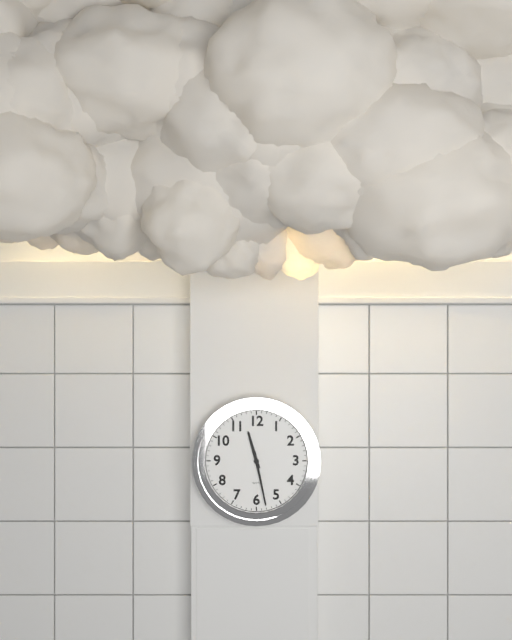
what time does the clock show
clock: 11:28
